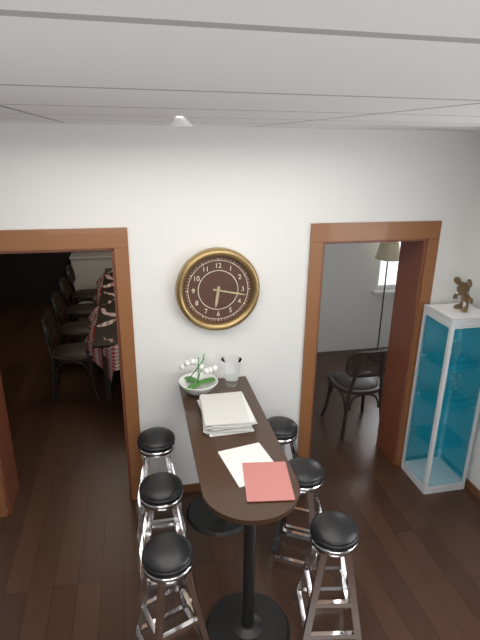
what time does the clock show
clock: 6:17
